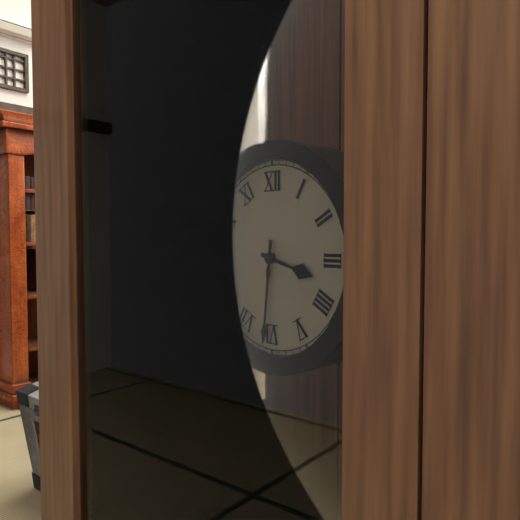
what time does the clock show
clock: 3:31
